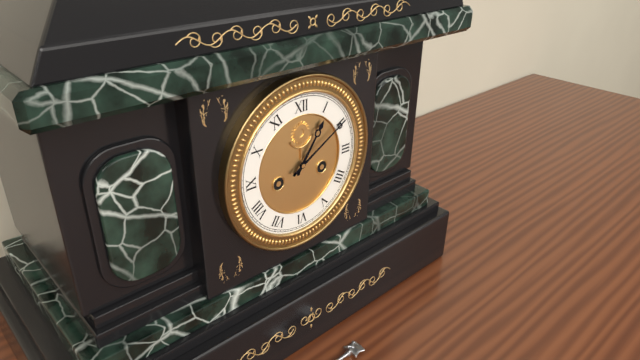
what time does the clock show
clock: 1:10
